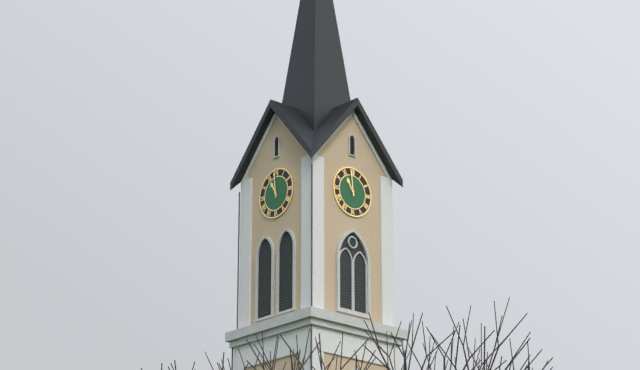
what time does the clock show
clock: 10:59
